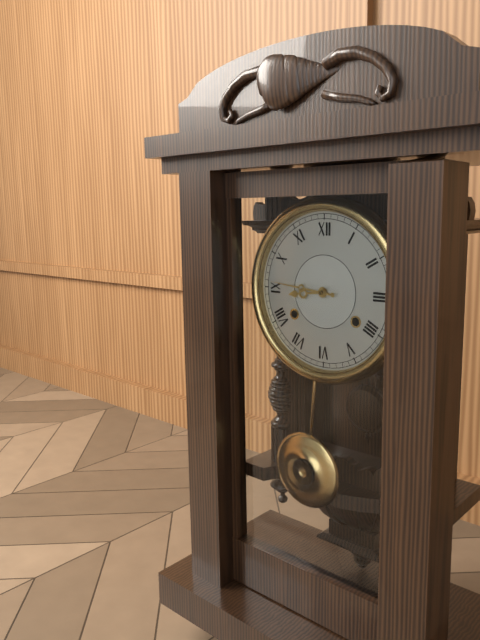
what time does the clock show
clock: 8:46
